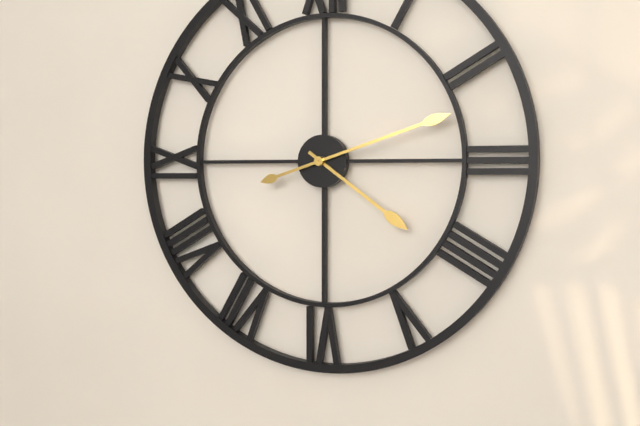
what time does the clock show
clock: 4:12
